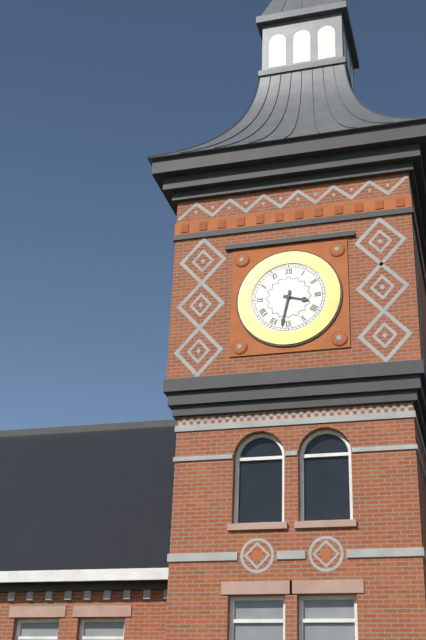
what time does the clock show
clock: 3:32
